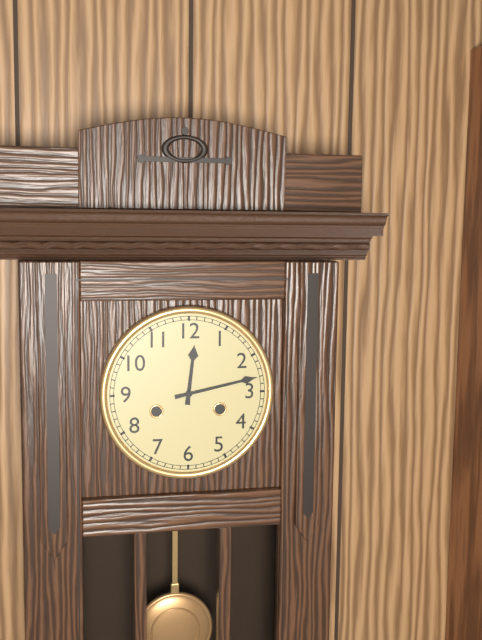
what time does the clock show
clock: 12:13
